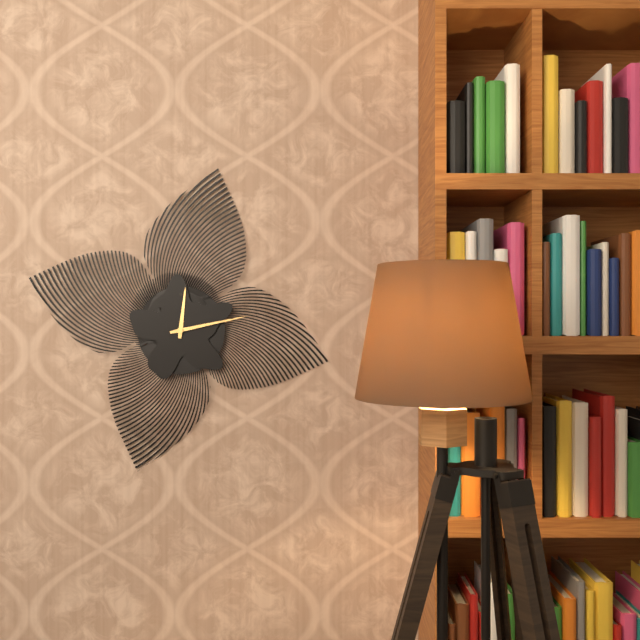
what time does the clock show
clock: 12:13
